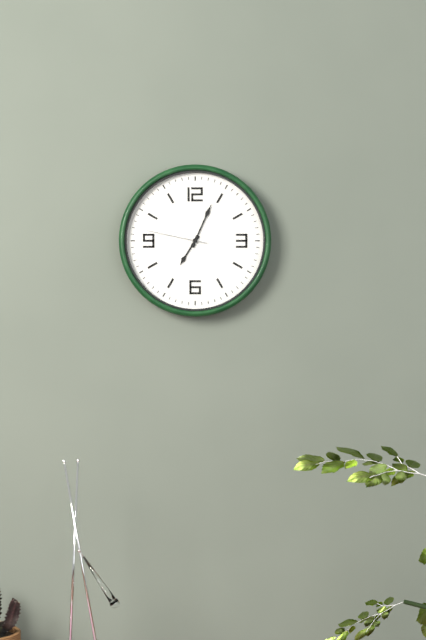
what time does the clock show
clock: 7:04:47
